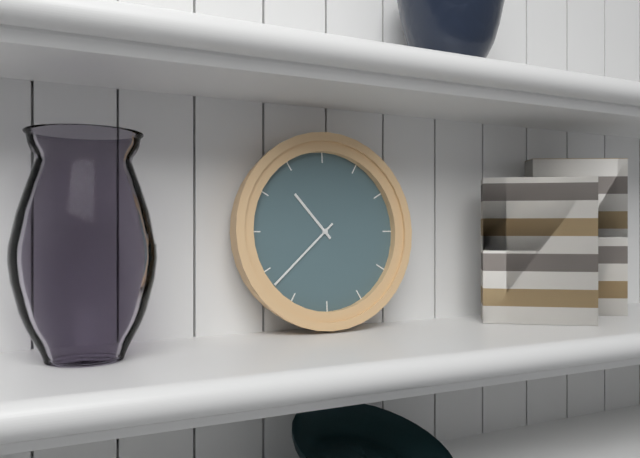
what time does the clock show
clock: 10:38
